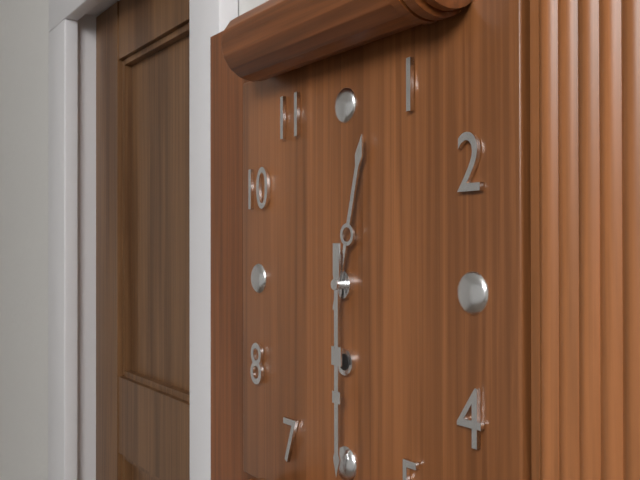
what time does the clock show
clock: 12:30
